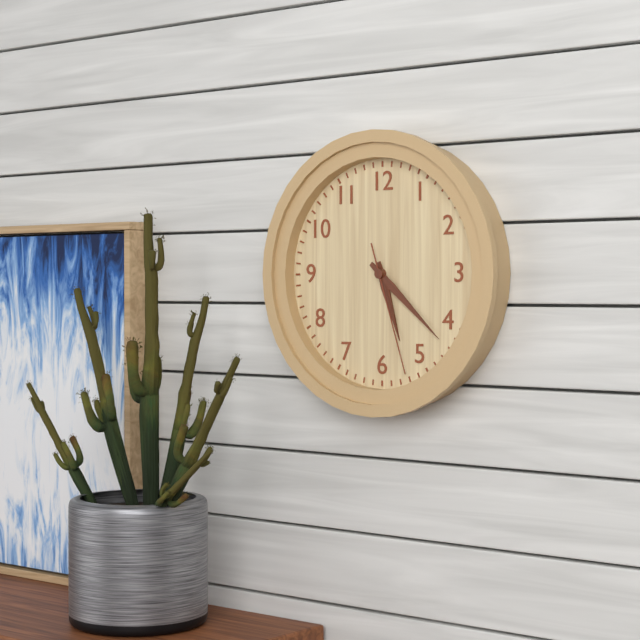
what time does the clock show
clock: 5:22:27
